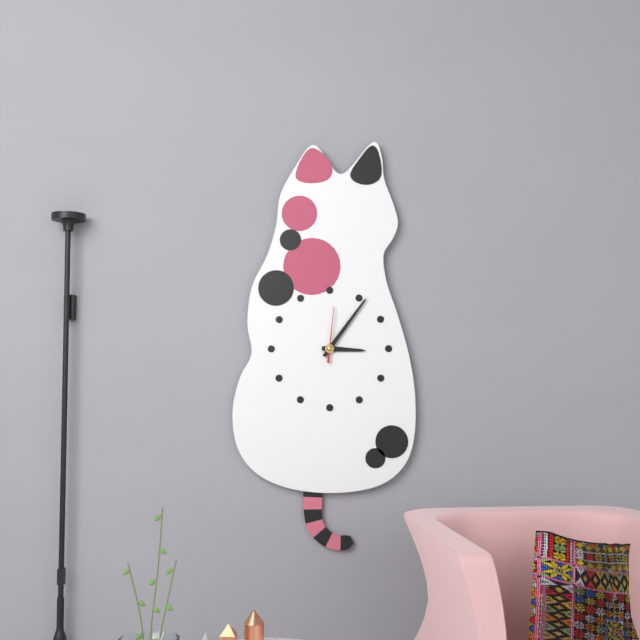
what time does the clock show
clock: 3:06:01
